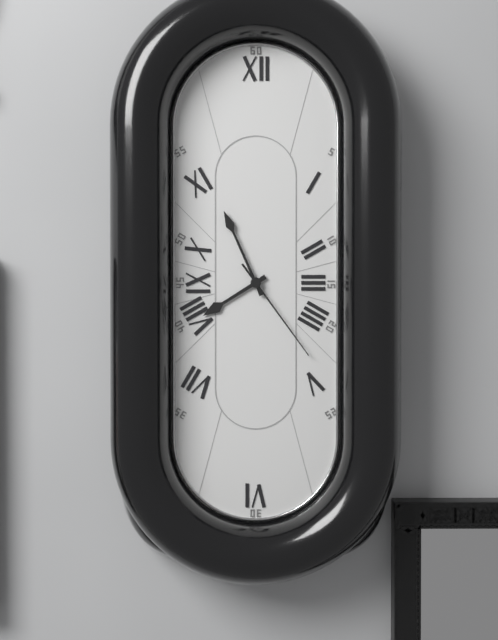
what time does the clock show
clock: 7:56:24
